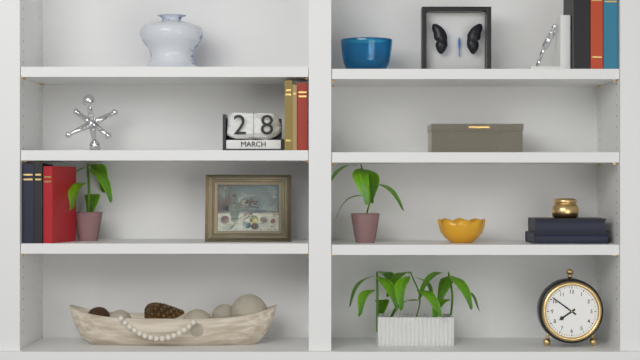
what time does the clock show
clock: 7:51
